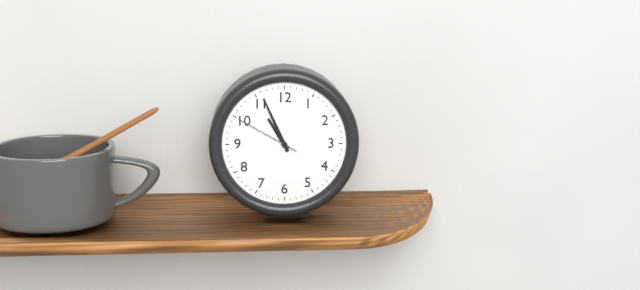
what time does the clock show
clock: 10:56:50
